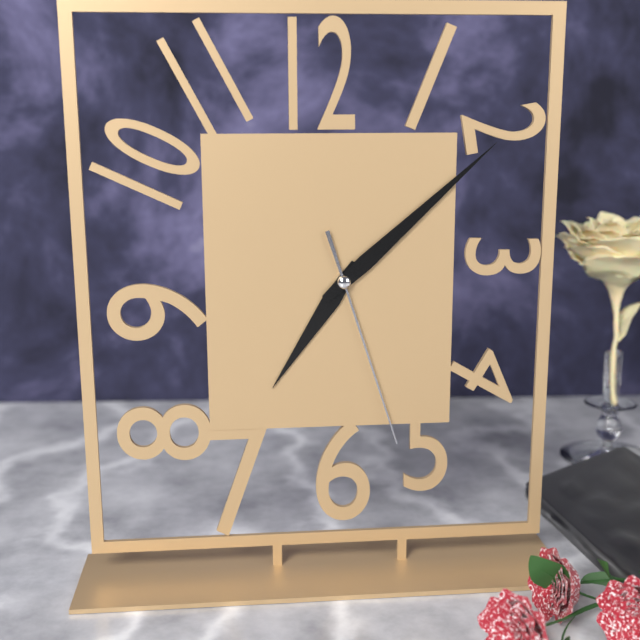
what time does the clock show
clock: 7:08:27
